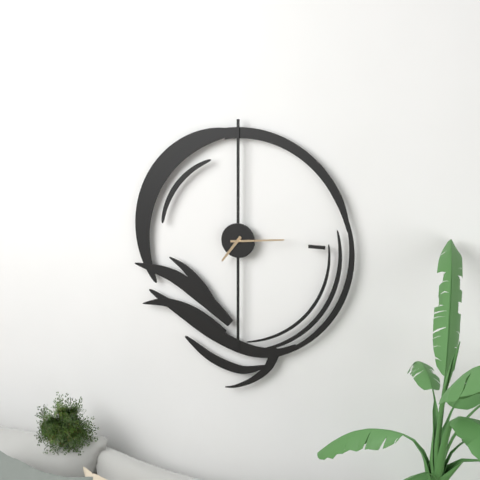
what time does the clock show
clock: 7:14
